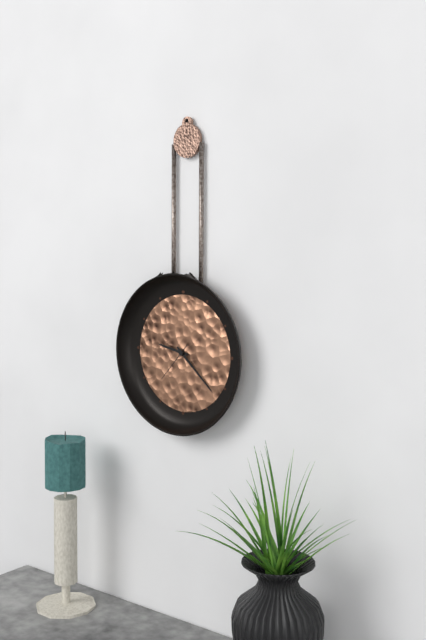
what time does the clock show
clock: 9:22
